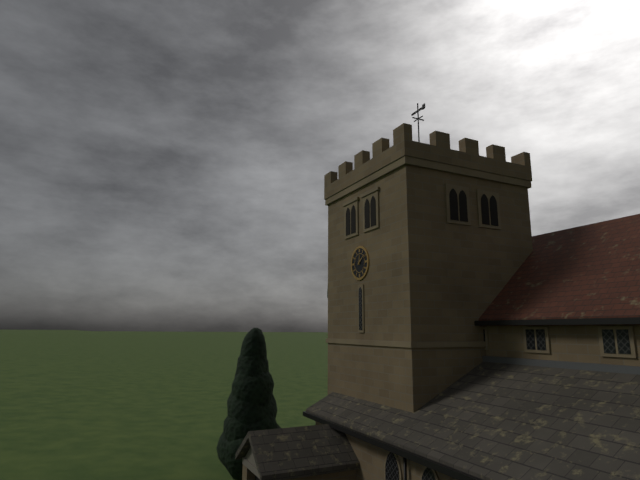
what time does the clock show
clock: 12:09
